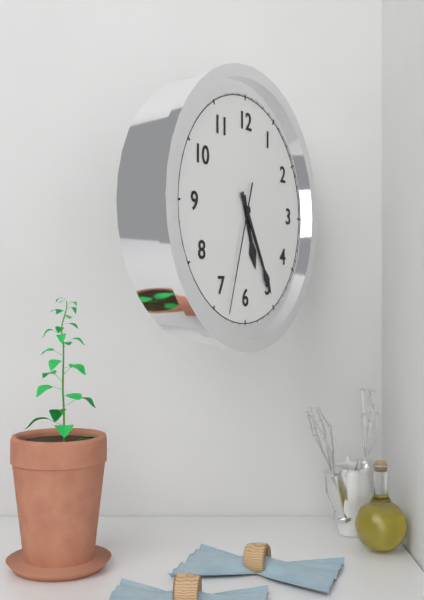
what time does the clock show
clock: 5:25:33
